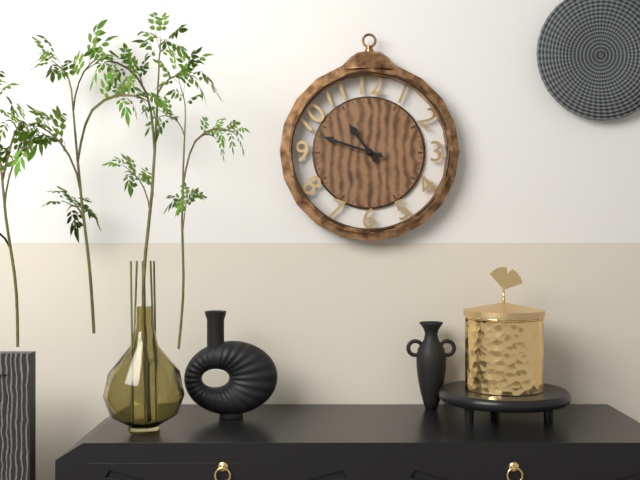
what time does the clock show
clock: 10:48
